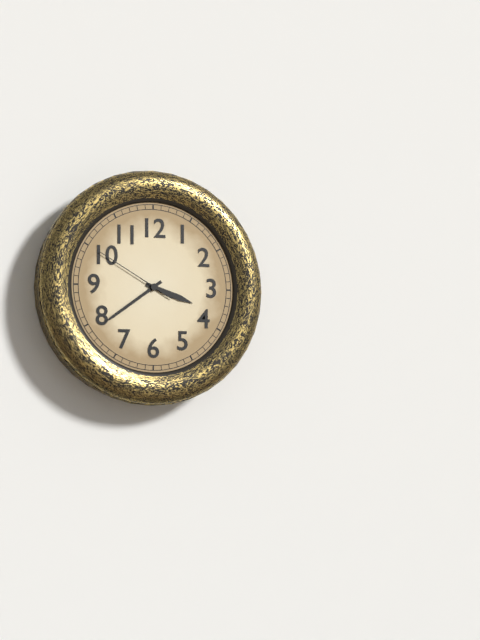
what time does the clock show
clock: 3:39:50
